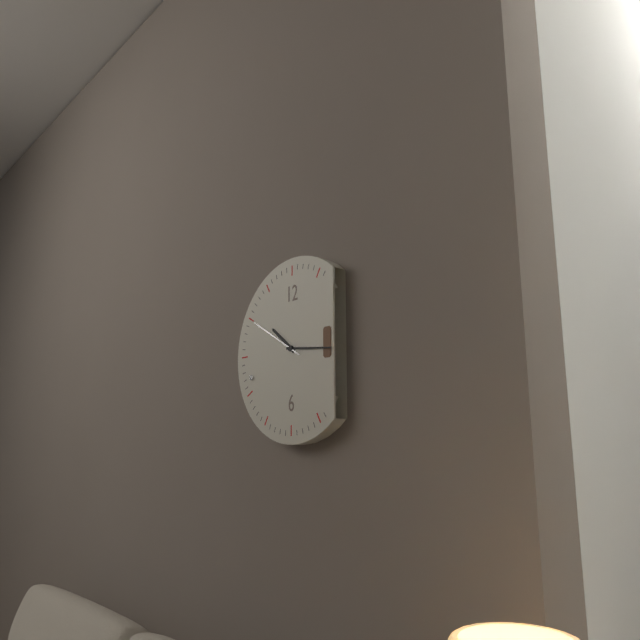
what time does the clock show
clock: 10:16:50
